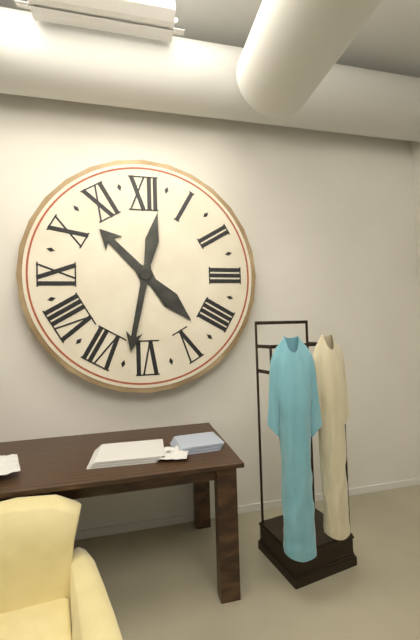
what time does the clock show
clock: 10:32
